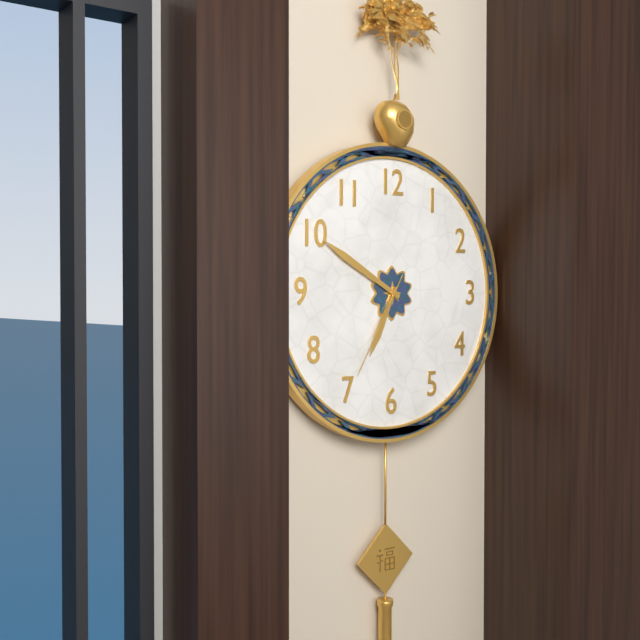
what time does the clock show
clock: 6:50:35
